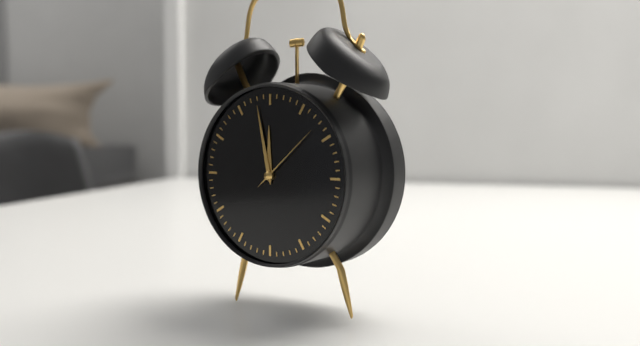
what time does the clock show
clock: 11:58:08
